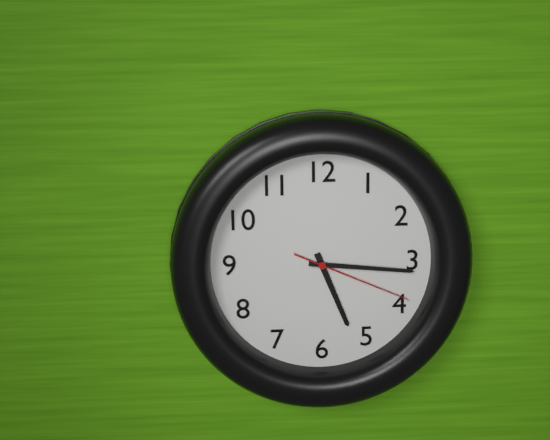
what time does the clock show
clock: 5:16:19
